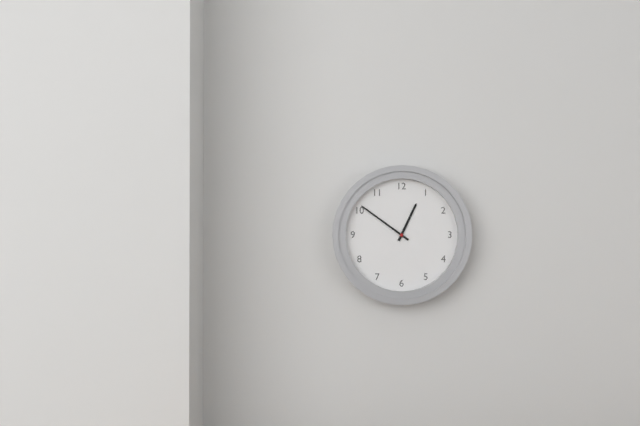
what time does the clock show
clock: 12:51
